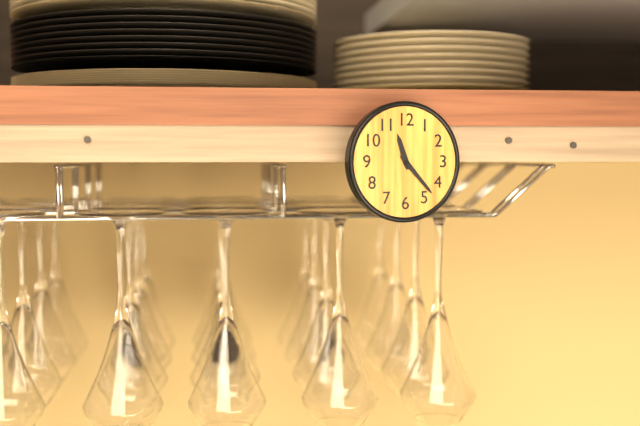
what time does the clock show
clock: 11:23
